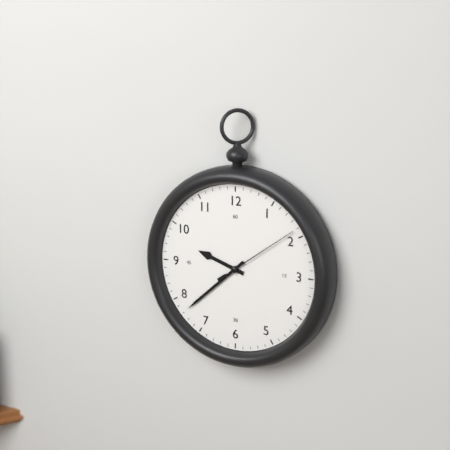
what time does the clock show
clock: 9:38:09
